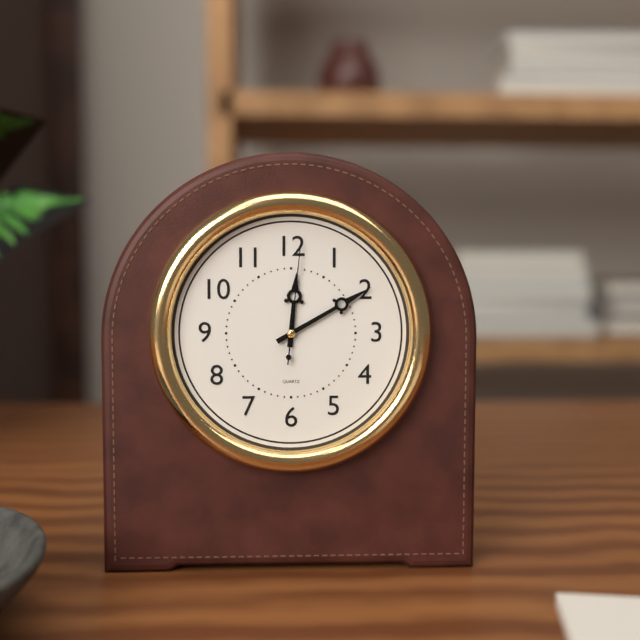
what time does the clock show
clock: 12:10:01
